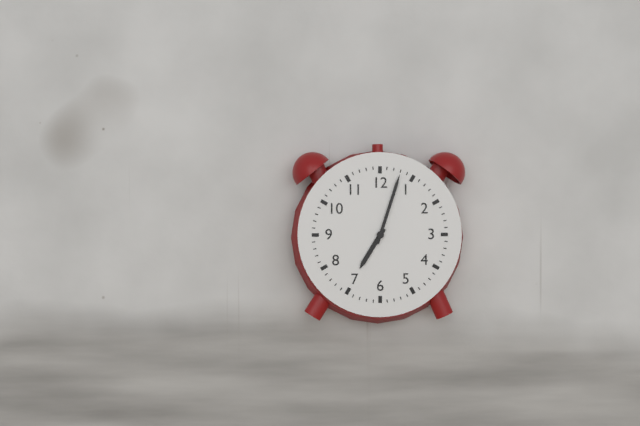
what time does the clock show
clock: 7:03
